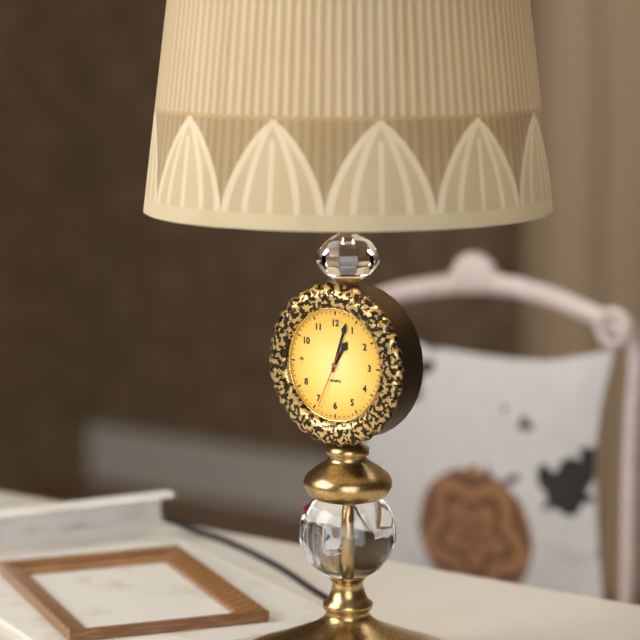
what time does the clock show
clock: 1:03:34
